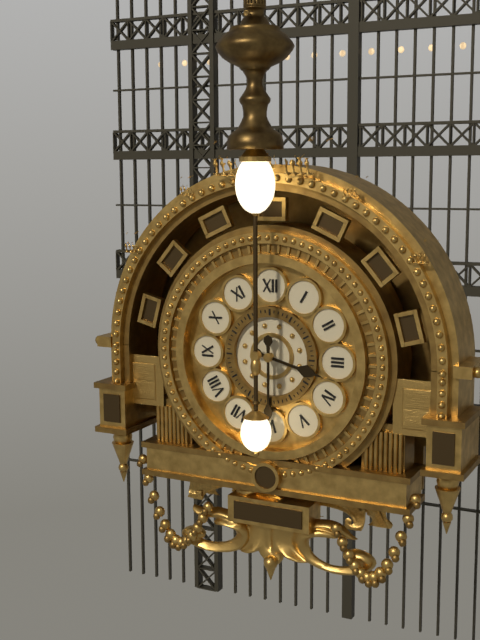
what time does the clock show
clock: 3:30
